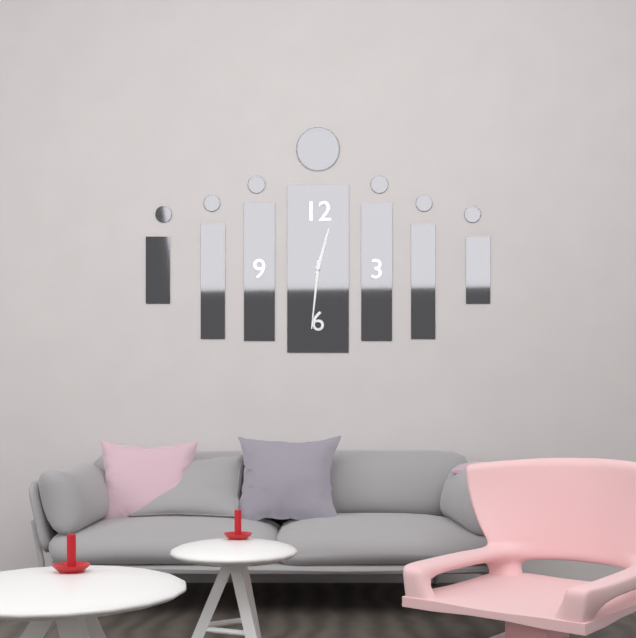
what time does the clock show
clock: 12:31
